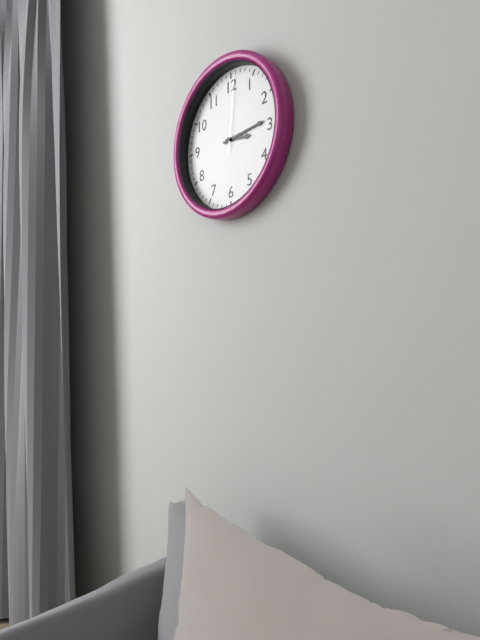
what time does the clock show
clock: 3:14:01
